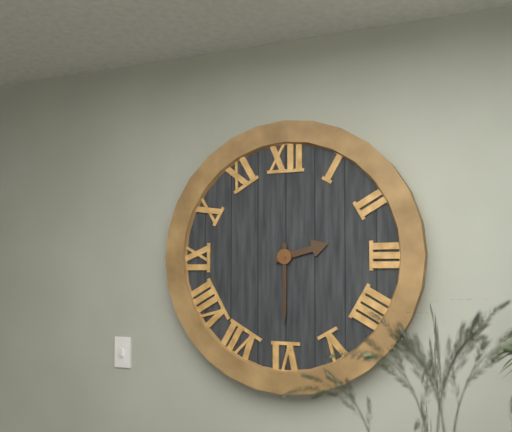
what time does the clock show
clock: 2:30
